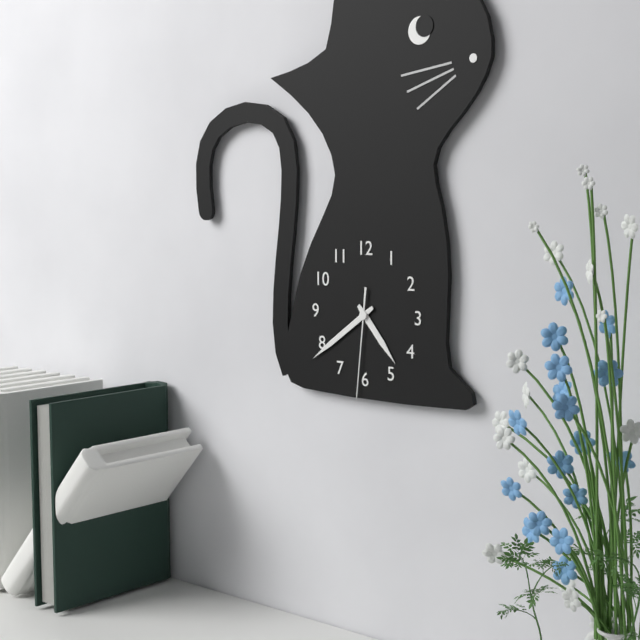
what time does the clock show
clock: 4:39:31
